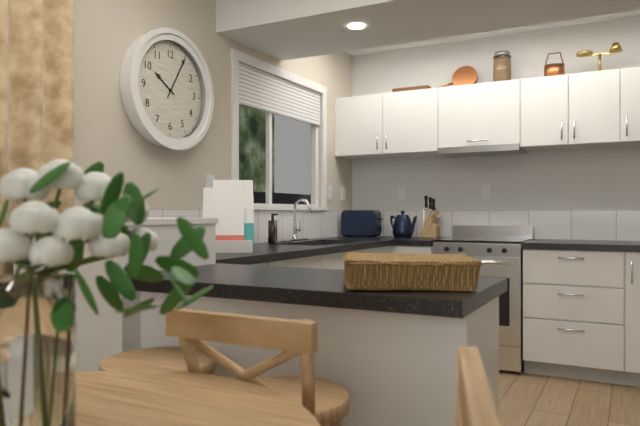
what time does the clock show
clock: 10:05
